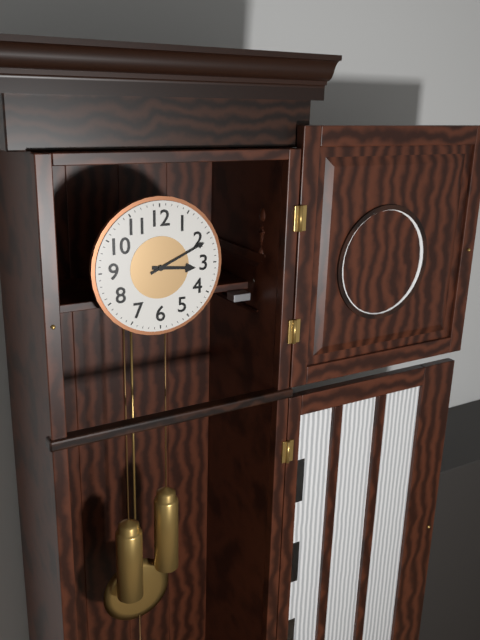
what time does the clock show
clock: 3:11
